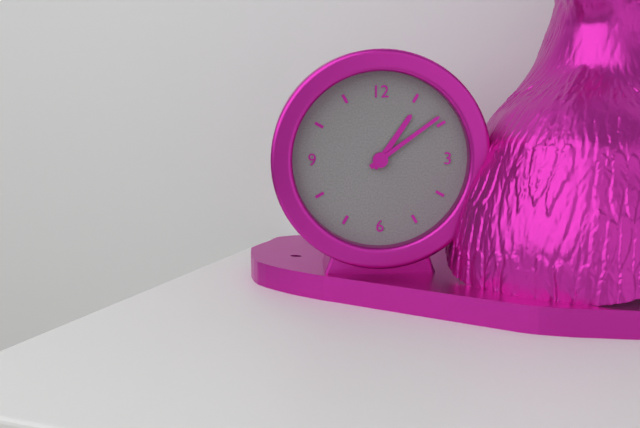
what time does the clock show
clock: 1:09
